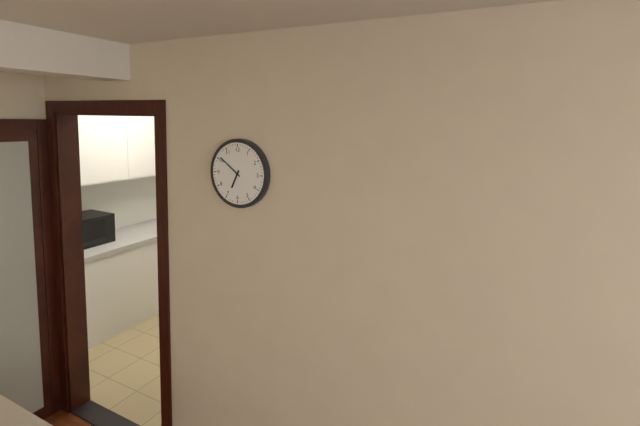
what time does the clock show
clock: 6:51
